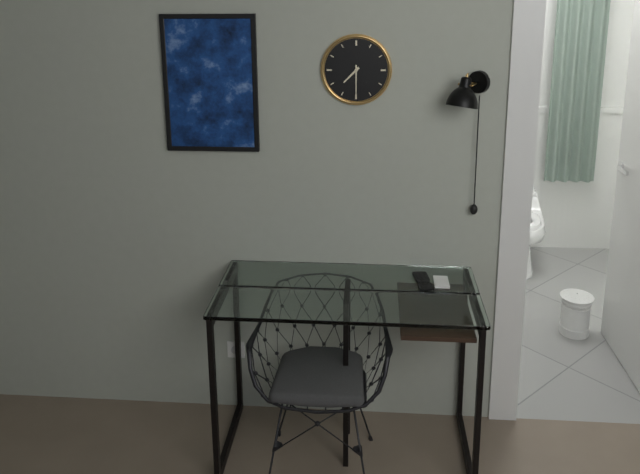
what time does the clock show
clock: 7:30
